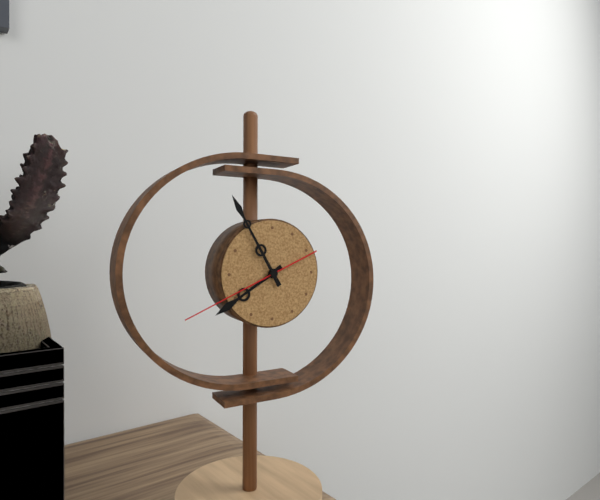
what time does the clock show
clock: 7:55:41
